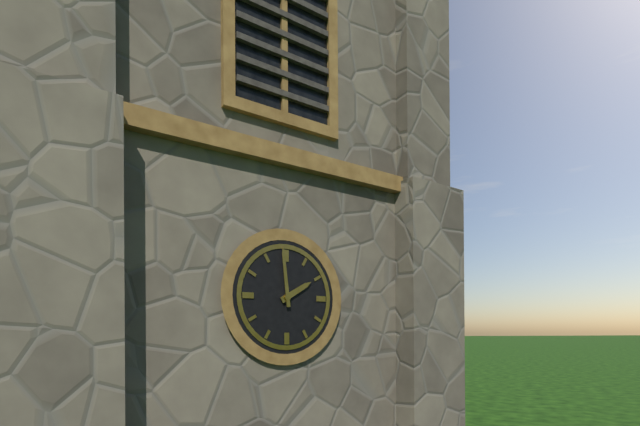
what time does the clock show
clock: 1:59
